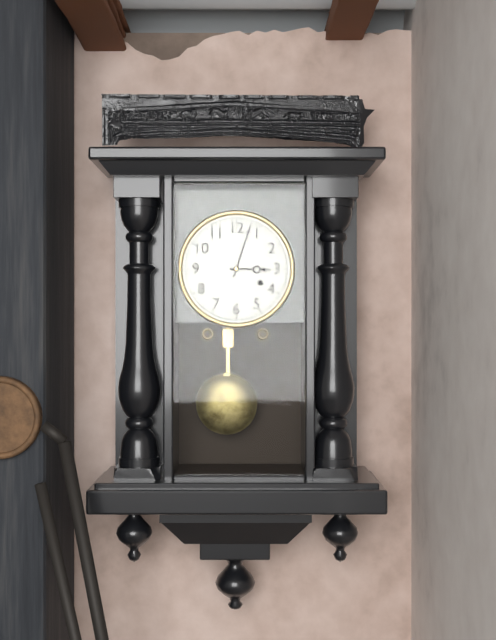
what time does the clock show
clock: 3:03
